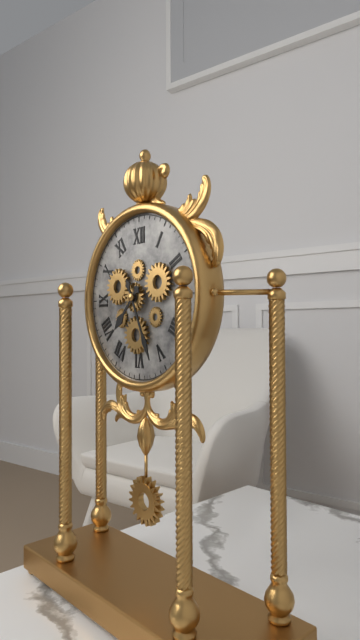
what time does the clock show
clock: 7:26
